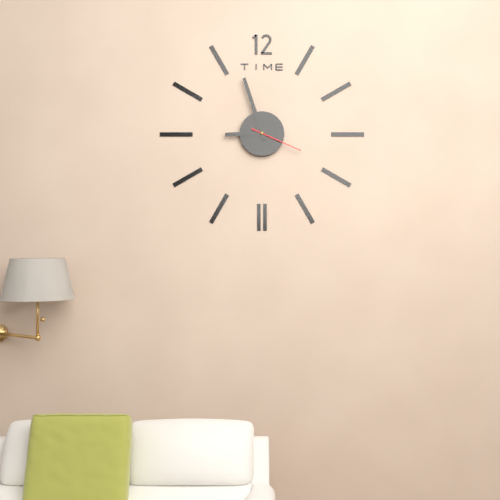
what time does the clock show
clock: 8:57:19
